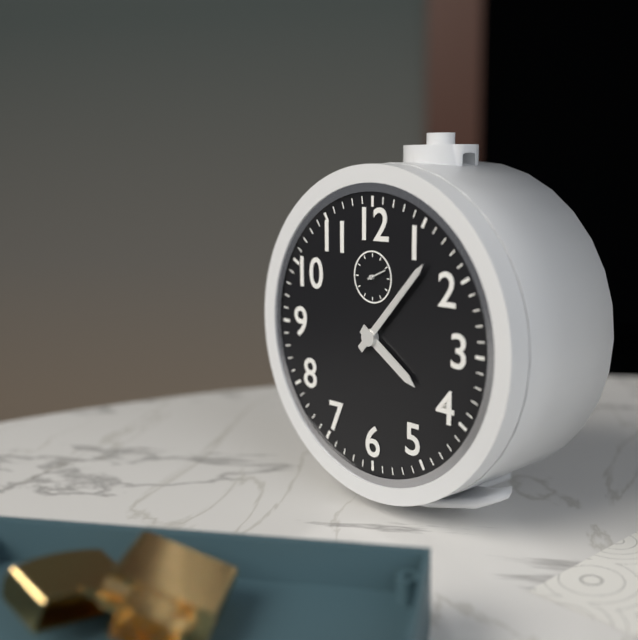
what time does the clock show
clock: 4:07
